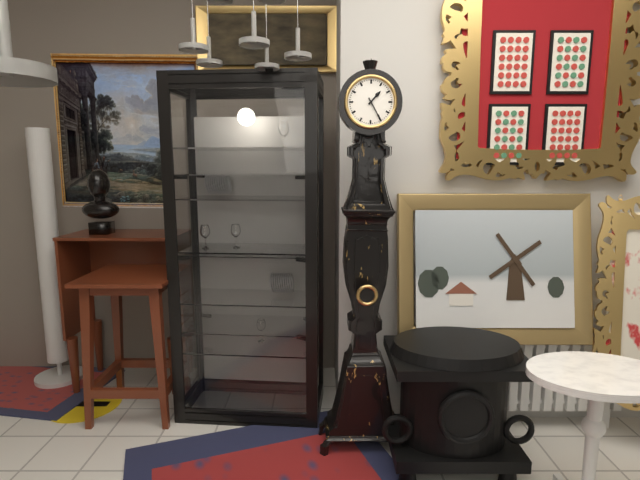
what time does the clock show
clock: 1:25
